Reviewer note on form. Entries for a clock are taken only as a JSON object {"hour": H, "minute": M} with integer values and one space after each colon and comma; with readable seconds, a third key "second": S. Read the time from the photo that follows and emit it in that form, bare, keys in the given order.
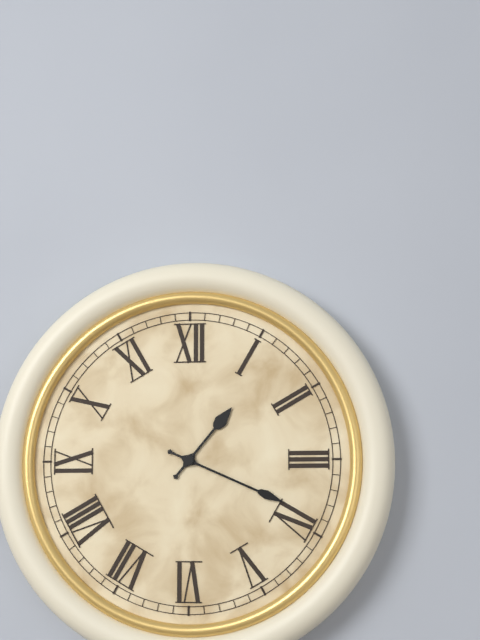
{"hour": 1, "minute": 19}
